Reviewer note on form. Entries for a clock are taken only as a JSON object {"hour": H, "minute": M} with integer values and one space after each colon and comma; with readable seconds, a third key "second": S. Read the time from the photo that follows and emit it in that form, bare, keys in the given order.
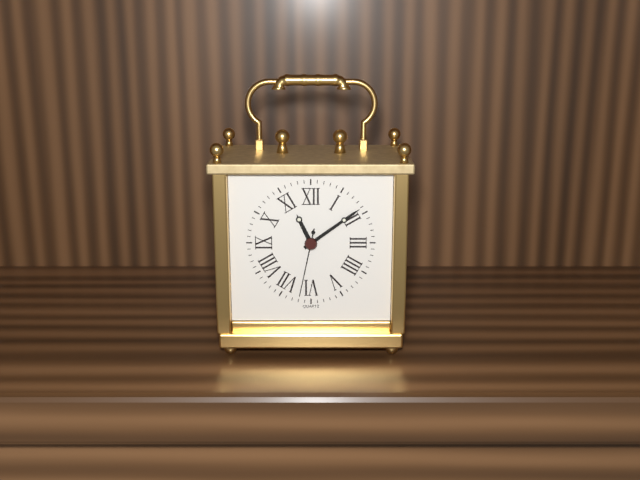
{"hour": 11, "minute": 9, "second": 32}
